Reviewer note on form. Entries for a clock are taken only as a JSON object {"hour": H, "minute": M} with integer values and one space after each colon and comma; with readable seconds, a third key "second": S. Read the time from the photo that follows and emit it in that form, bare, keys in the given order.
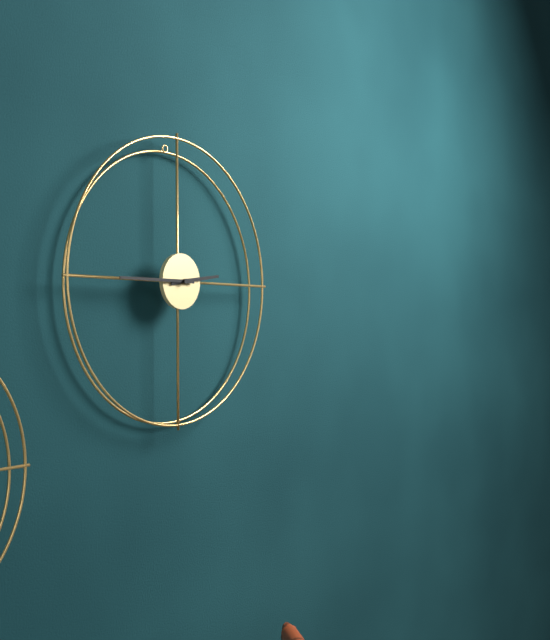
{"hour": 2, "minute": 45}
